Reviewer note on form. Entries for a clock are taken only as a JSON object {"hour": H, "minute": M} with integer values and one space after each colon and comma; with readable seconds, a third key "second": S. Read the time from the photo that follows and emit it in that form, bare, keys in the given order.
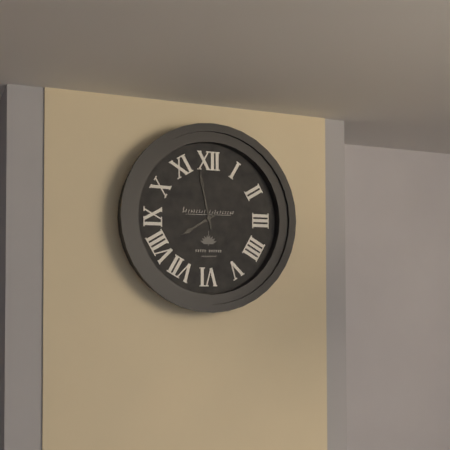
{"hour": 7, "minute": 58}
